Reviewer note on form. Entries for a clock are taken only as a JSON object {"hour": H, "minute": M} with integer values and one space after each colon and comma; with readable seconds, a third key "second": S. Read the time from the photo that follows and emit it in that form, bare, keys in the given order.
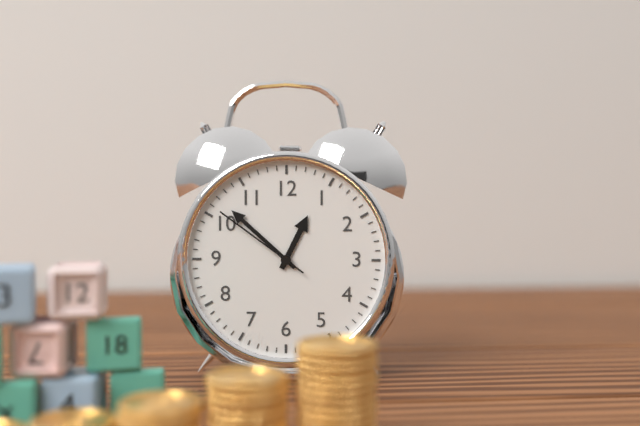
{"hour": 12, "minute": 52, "second": 51}
